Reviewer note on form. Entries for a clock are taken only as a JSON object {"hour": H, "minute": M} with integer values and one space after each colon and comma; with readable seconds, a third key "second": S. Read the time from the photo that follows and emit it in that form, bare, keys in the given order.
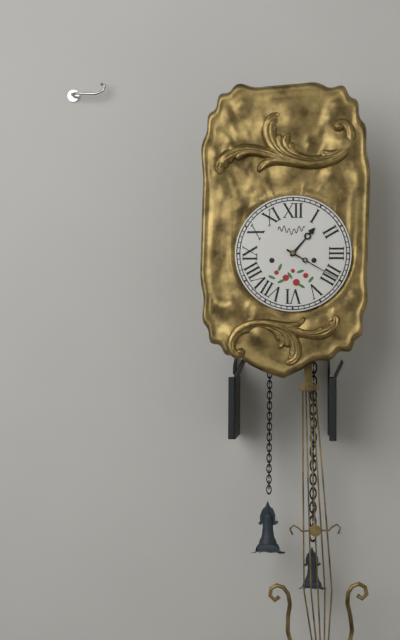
{"hour": 1, "minute": 20}
